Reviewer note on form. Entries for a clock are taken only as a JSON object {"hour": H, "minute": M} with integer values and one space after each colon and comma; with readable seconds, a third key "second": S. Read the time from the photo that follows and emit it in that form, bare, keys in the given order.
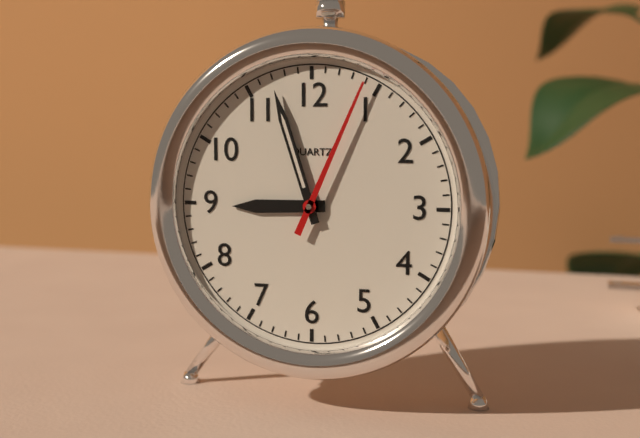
{"hour": 8, "minute": 57, "second": 4}
